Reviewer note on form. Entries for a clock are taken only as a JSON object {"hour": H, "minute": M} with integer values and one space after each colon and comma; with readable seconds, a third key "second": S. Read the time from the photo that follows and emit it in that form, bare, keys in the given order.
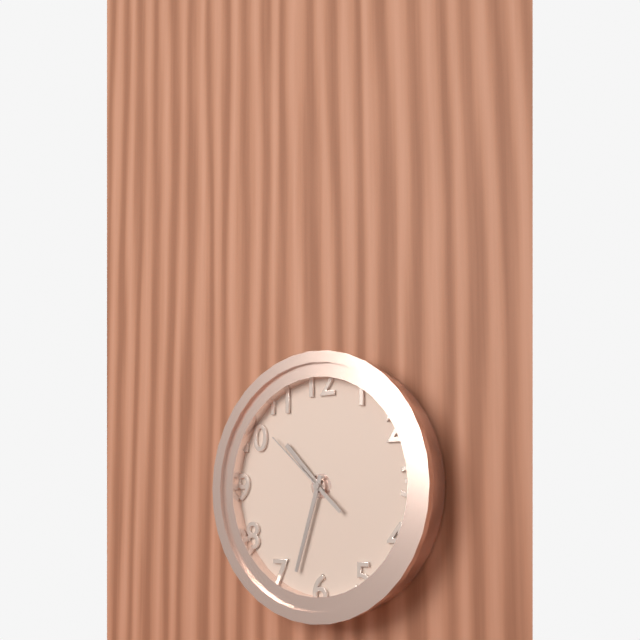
{"hour": 10, "minute": 33, "second": 52}
